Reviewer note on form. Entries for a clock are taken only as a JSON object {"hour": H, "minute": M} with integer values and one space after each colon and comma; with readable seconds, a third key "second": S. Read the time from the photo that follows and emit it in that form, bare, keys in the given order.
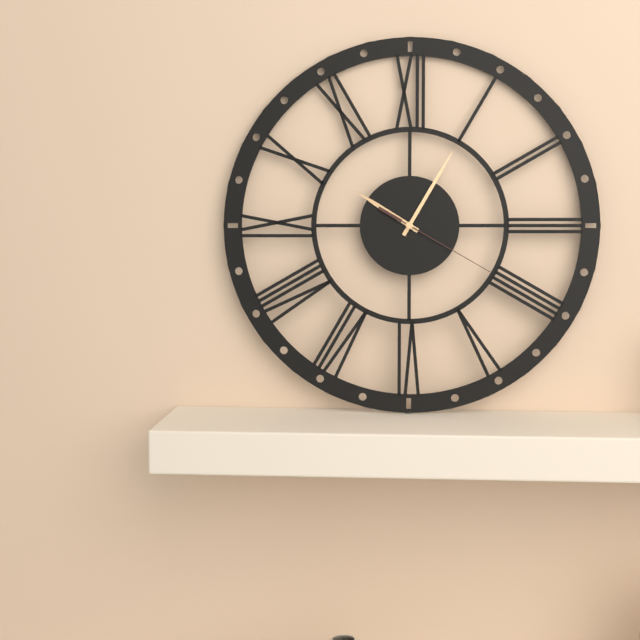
{"hour": 10, "minute": 5, "second": 20}
